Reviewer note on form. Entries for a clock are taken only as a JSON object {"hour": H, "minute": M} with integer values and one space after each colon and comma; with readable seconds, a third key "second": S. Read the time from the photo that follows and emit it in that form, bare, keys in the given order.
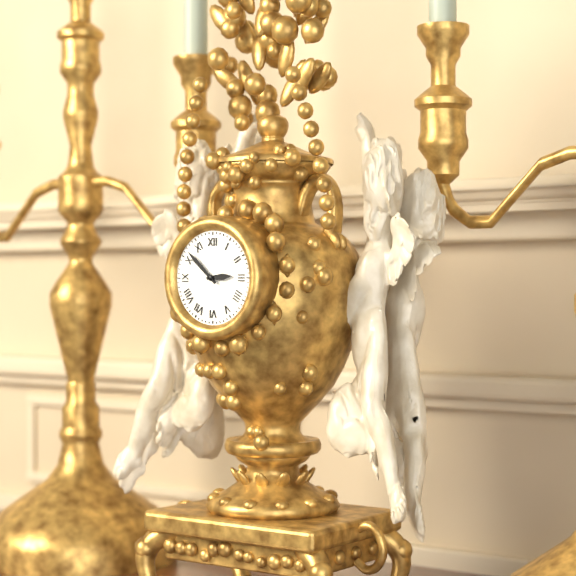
{"hour": 2, "minute": 52}
